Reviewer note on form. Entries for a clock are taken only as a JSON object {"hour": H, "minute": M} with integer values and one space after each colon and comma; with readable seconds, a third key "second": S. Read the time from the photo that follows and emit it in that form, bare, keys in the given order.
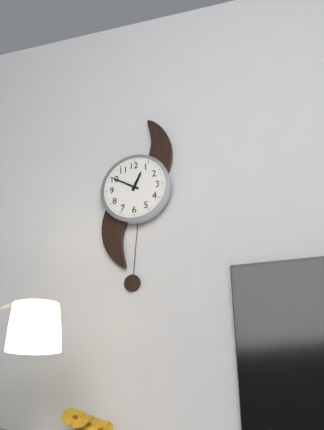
{"hour": 12, "minute": 50}
